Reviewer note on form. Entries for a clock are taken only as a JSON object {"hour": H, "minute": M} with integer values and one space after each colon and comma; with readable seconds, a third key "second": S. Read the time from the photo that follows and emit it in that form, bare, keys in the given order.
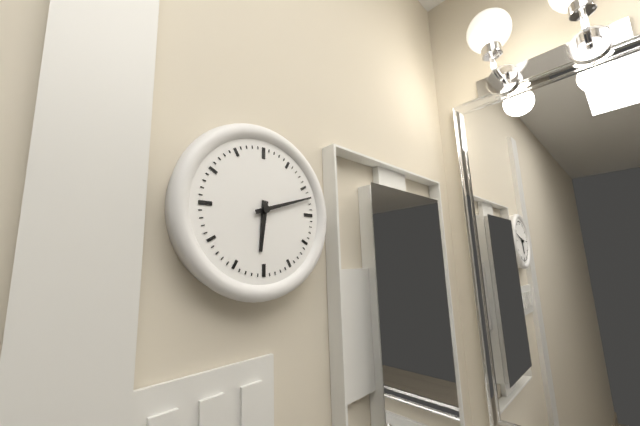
{"hour": 6, "minute": 12}
